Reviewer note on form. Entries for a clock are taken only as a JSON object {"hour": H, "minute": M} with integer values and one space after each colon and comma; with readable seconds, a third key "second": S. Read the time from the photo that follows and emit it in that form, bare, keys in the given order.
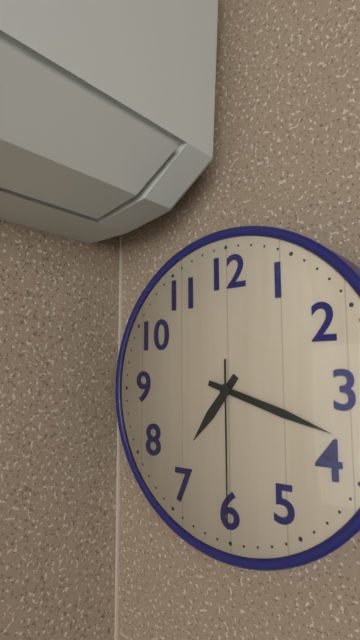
{"hour": 7, "minute": 18, "second": 30}
